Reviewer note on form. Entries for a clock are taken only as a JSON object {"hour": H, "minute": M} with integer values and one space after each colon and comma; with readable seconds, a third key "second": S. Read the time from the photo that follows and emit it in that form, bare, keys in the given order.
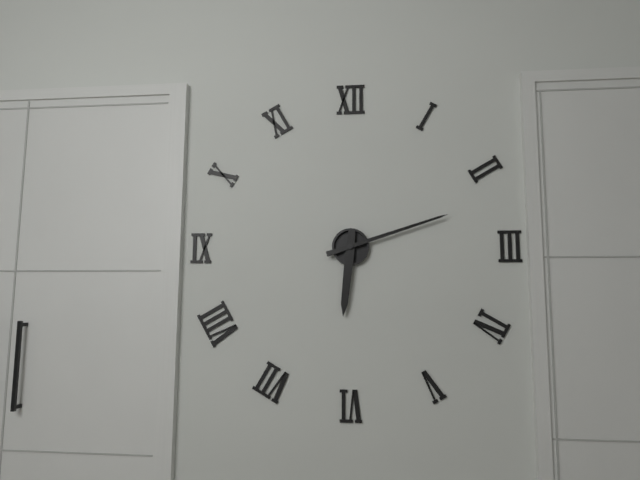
{"hour": 6, "minute": 12}
